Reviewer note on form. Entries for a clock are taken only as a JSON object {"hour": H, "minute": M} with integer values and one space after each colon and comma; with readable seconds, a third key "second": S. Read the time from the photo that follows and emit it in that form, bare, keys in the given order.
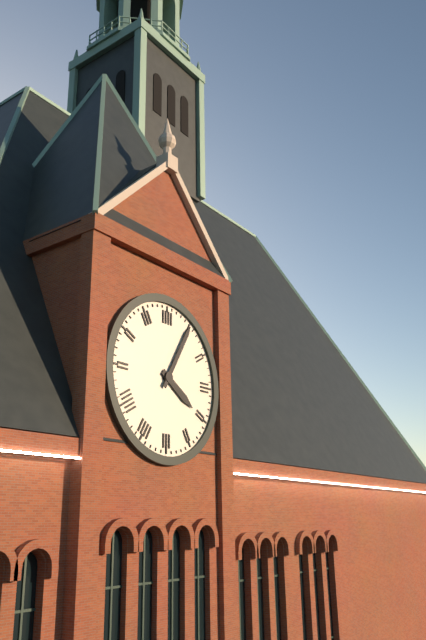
{"hour": 4, "minute": 5}
